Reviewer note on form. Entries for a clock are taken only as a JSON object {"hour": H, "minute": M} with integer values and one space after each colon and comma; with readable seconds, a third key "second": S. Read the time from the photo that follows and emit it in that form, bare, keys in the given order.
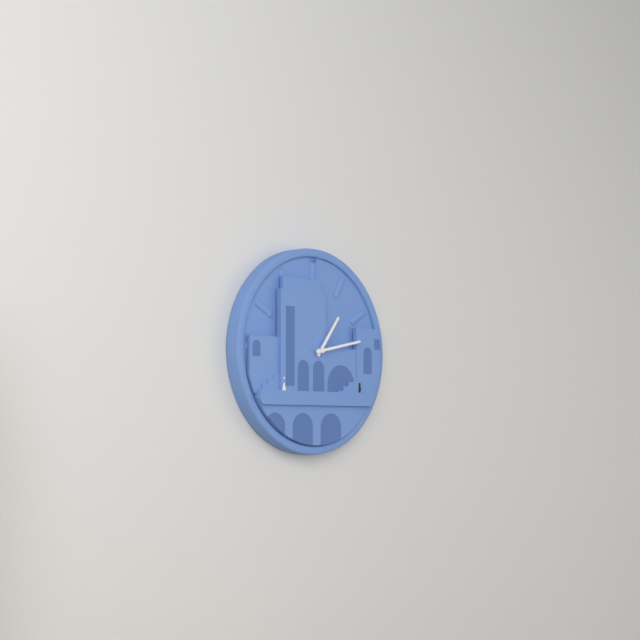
{"hour": 1, "minute": 13}
